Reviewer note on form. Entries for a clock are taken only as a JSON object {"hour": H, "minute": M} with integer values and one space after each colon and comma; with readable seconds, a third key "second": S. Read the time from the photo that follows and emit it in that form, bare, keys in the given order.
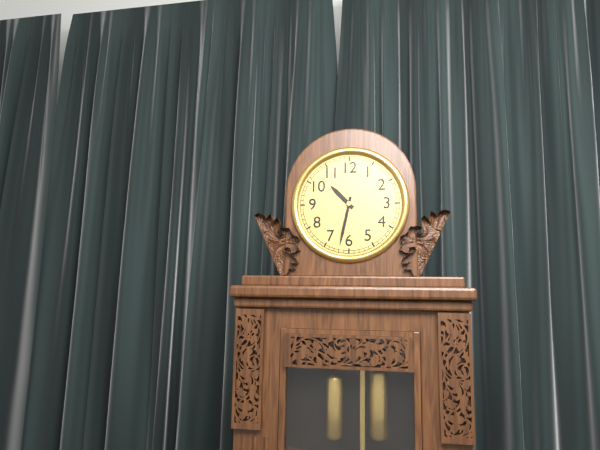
{"hour": 10, "minute": 32}
